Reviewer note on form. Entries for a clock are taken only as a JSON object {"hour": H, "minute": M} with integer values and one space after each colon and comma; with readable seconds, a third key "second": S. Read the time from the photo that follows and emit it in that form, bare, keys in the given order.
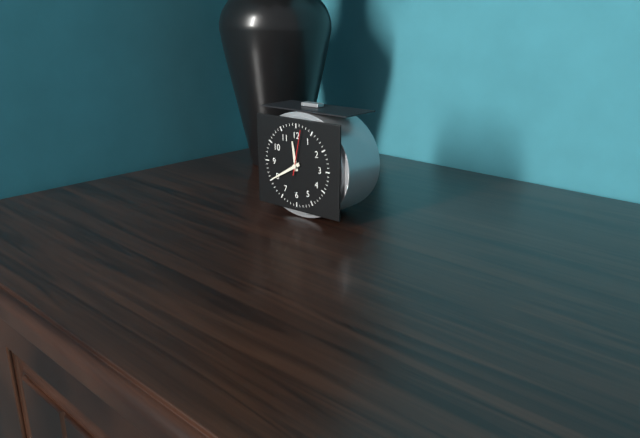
{"hour": 11, "minute": 40}
